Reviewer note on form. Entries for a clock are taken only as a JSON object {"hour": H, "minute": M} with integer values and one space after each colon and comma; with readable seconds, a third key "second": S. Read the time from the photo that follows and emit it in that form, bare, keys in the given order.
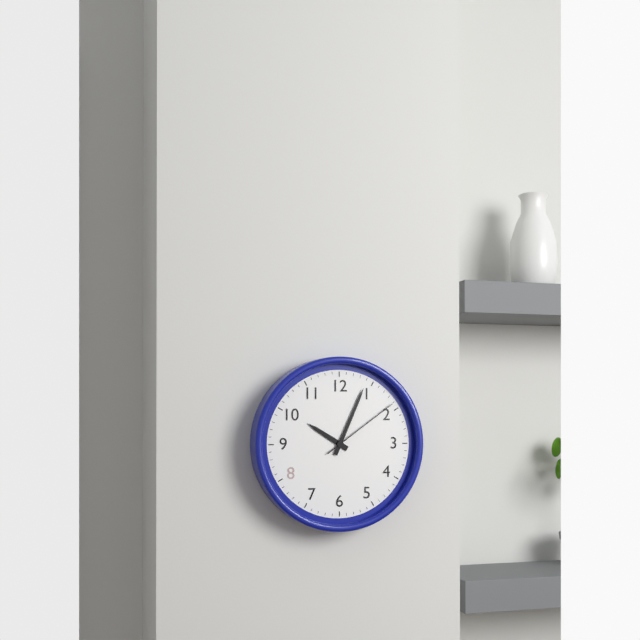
{"hour": 10, "minute": 4, "second": 9}
